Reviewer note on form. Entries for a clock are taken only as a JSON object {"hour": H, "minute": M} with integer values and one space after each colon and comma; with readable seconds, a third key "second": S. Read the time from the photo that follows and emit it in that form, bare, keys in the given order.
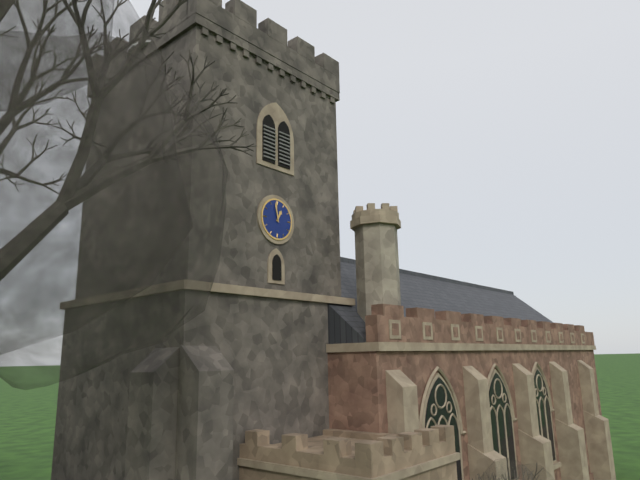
{"hour": 12, "minute": 58}
